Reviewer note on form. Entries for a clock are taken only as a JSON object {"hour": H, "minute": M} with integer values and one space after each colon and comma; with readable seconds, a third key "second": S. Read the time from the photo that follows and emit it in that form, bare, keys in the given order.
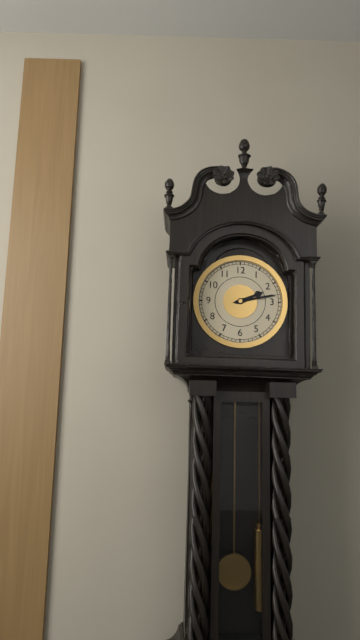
{"hour": 2, "minute": 13}
